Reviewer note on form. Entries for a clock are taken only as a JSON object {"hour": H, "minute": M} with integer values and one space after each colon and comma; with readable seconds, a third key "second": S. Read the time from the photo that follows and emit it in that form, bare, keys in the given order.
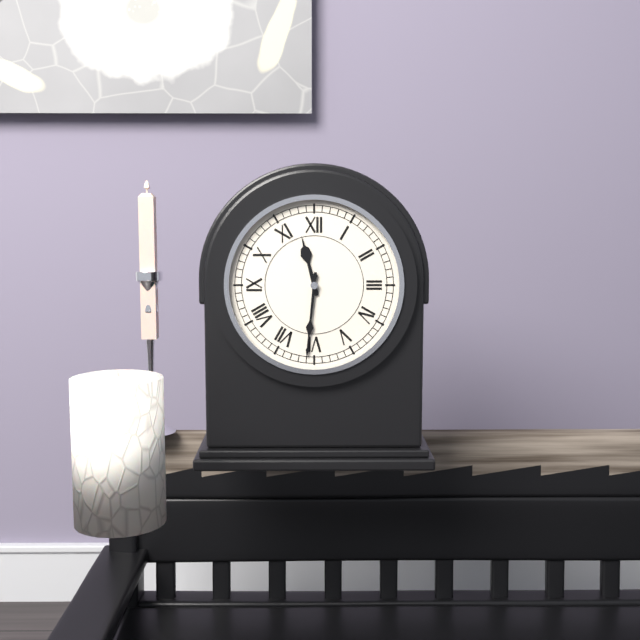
{"hour": 11, "minute": 31}
